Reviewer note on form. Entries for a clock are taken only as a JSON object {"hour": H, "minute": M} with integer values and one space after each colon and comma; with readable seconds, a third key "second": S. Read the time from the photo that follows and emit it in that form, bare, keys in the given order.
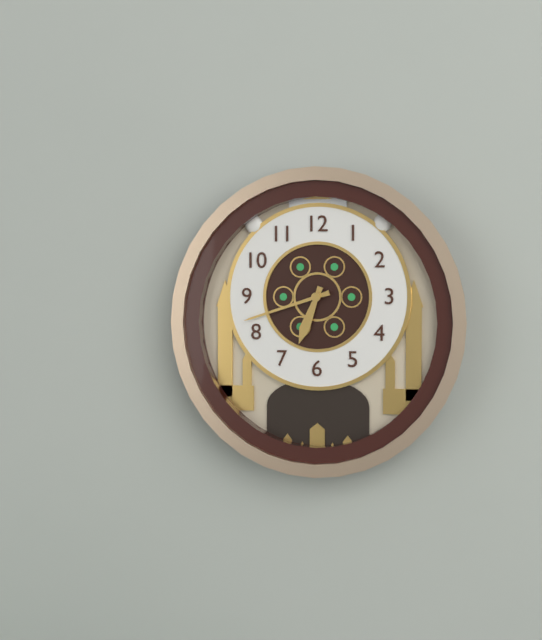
{"hour": 6, "minute": 42}
